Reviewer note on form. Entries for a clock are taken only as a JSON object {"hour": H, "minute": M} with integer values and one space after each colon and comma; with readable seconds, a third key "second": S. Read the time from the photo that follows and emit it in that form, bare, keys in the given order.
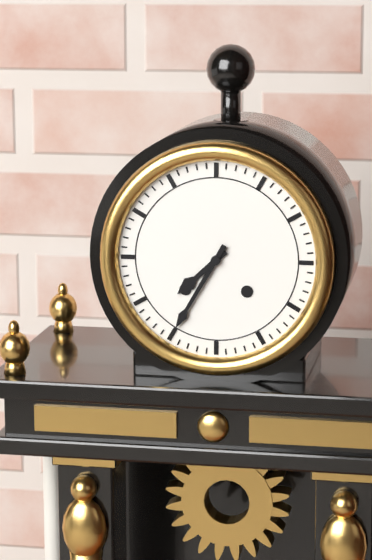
{"hour": 7, "minute": 35}
